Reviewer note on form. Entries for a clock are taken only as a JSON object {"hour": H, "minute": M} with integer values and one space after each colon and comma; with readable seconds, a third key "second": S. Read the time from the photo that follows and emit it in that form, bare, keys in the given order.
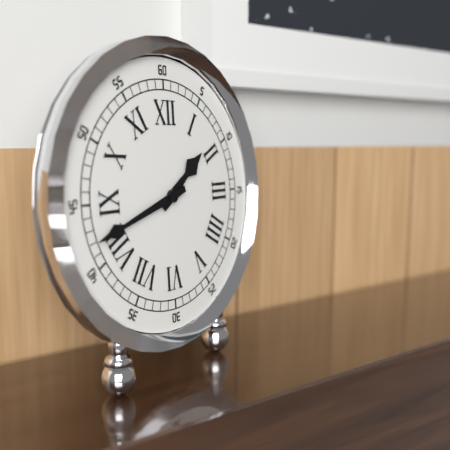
{"hour": 1, "minute": 42}
